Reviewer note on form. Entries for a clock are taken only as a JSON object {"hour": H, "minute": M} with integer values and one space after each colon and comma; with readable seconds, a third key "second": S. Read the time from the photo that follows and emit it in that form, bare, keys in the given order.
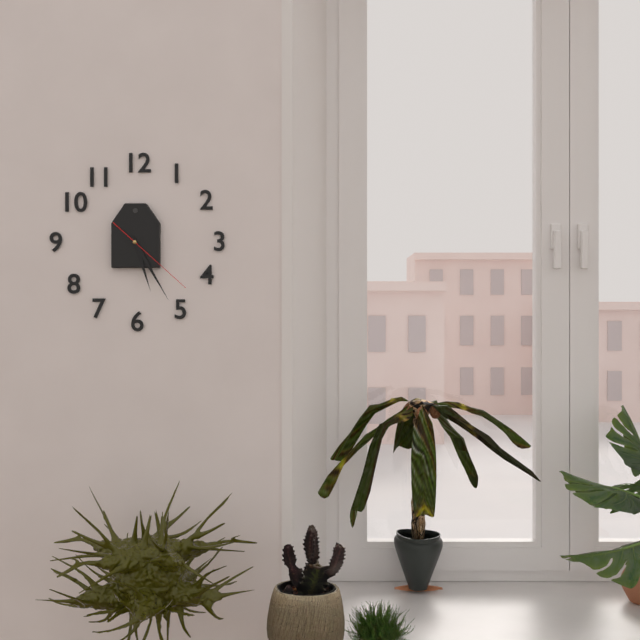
{"hour": 5, "minute": 25, "second": 22}
